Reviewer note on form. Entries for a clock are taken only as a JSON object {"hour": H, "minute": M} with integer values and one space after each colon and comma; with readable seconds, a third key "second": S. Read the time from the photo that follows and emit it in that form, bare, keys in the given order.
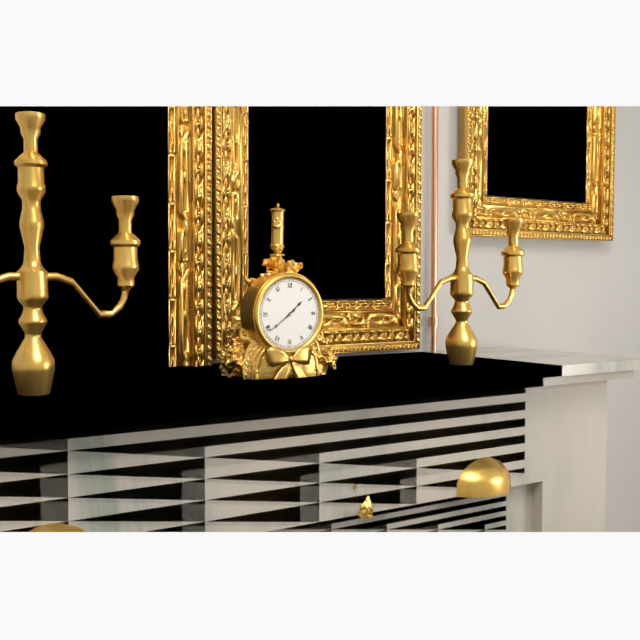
{"hour": 1, "minute": 39}
